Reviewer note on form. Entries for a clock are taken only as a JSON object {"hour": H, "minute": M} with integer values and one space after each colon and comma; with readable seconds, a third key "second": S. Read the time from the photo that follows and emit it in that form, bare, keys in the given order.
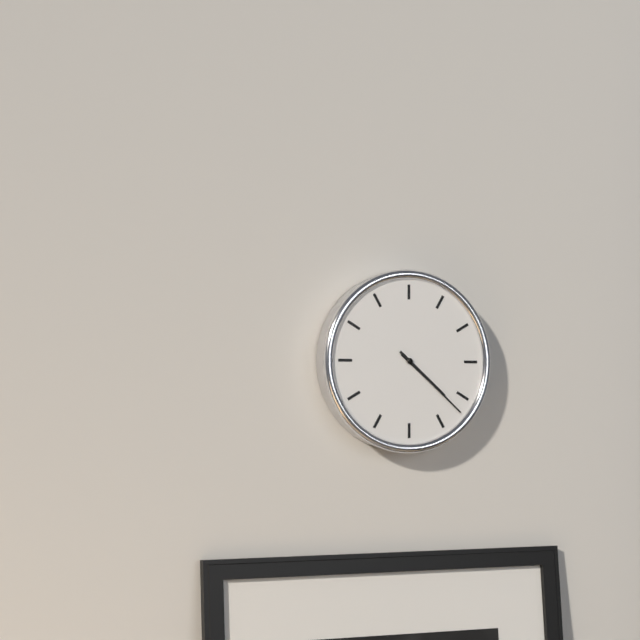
{"hour": 4, "minute": 22}
